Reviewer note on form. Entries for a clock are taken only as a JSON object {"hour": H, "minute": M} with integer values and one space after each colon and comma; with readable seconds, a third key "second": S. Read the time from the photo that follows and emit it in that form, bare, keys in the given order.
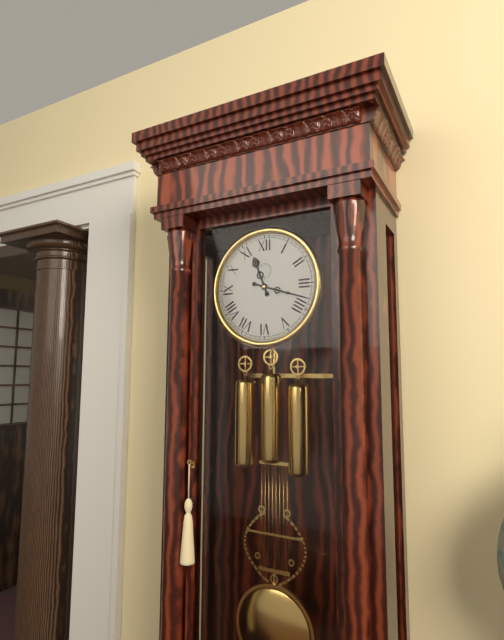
{"hour": 11, "minute": 18}
